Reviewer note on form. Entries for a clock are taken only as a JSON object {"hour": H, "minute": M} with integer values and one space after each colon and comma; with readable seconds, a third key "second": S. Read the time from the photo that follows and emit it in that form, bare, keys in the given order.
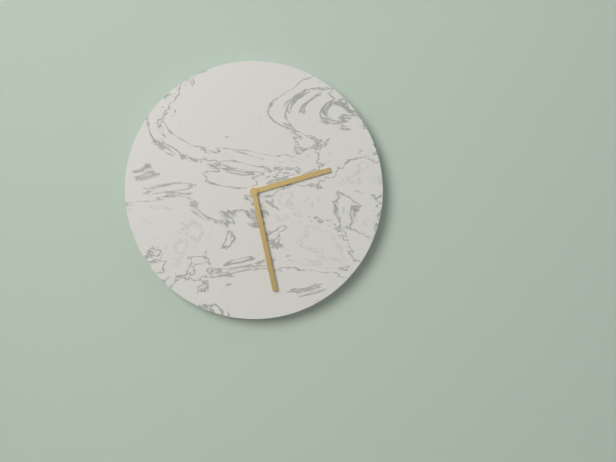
{"hour": 2, "minute": 28}
